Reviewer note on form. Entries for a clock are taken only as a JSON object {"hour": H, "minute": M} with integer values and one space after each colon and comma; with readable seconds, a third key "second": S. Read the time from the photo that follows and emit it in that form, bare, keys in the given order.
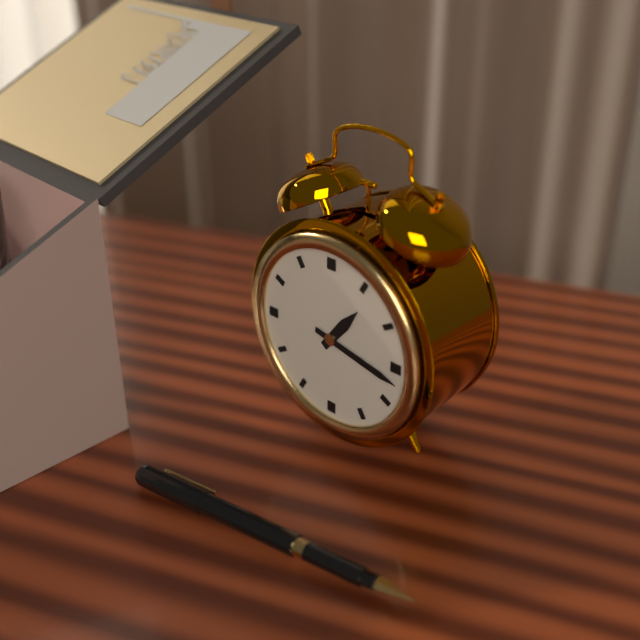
{"hour": 1, "minute": 17}
